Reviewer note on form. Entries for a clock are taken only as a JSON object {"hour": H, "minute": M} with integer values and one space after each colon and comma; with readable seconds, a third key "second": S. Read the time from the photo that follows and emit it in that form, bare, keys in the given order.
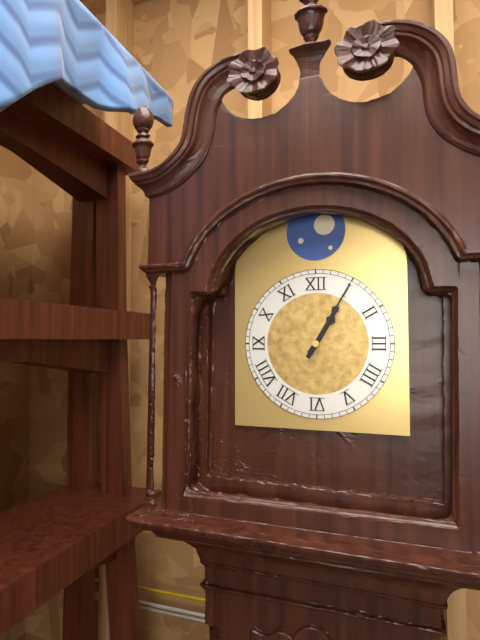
{"hour": 1, "minute": 5}
